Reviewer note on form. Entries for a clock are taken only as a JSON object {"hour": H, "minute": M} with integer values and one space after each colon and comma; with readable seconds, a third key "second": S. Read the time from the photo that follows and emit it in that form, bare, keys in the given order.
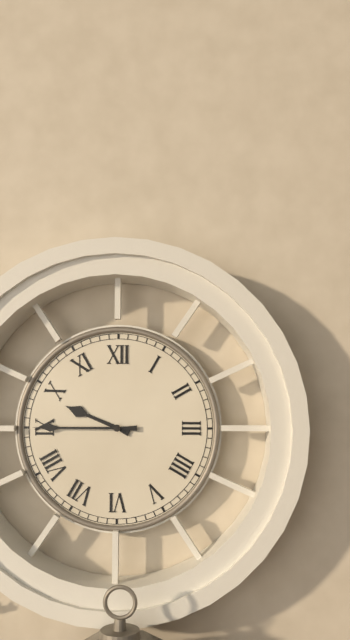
{"hour": 9, "minute": 45}
